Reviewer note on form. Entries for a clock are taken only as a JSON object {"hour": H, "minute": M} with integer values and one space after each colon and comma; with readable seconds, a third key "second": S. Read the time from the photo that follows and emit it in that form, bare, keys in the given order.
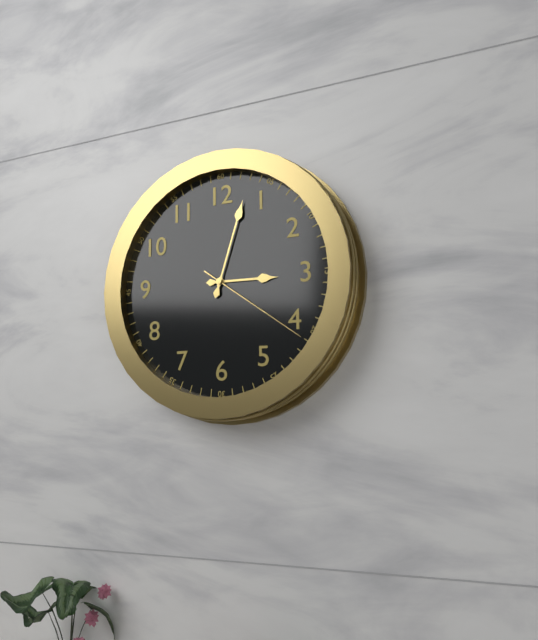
{"hour": 3, "minute": 3, "second": 21}
